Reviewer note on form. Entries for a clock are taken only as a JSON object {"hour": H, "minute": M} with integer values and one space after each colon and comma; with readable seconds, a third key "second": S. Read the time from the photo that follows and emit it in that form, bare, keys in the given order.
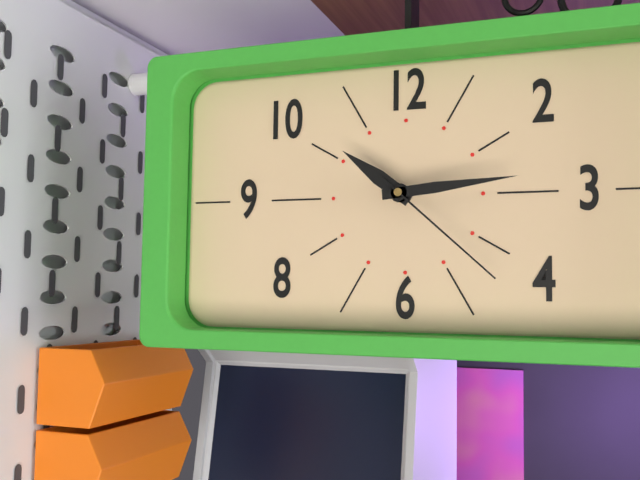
{"hour": 10, "minute": 14, "second": 22}
